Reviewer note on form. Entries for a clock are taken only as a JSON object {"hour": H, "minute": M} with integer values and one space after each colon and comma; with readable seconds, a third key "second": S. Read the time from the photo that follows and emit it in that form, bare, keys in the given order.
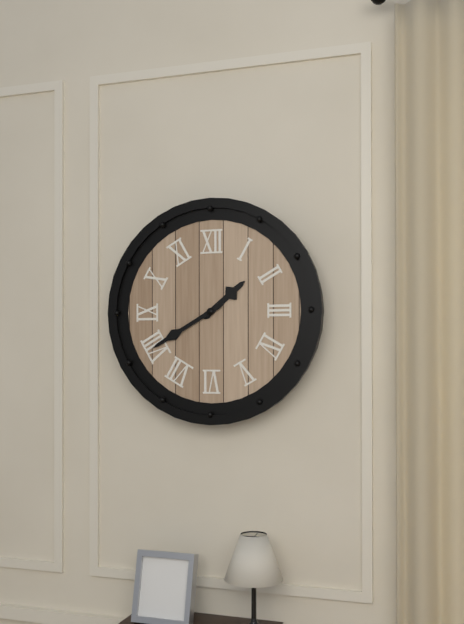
{"hour": 1, "minute": 40}
